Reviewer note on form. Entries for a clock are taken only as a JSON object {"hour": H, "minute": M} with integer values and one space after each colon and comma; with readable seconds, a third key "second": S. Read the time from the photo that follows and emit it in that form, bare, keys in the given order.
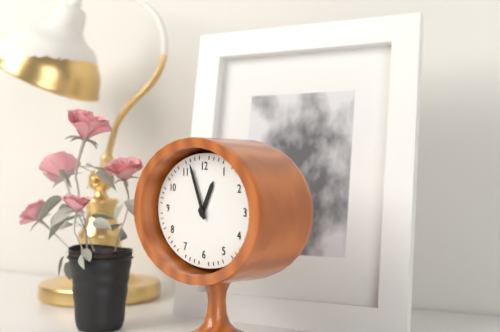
{"hour": 12, "minute": 56}
